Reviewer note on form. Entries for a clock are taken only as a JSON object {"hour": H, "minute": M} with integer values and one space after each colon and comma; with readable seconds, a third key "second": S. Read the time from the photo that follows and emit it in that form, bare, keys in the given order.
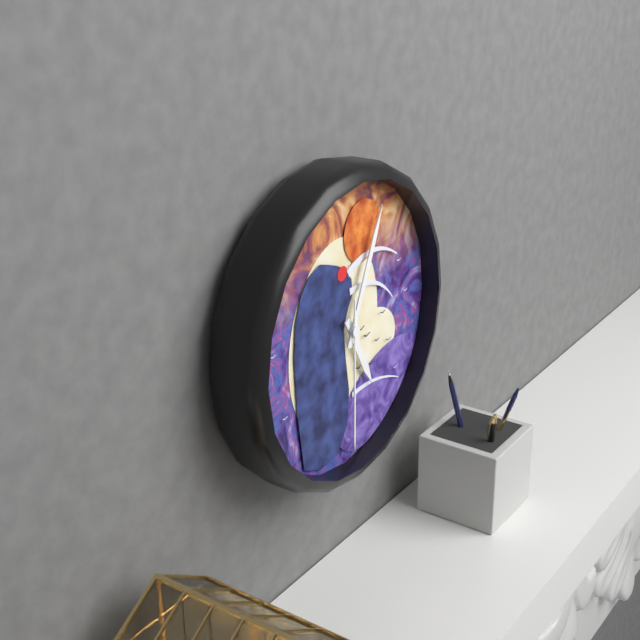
{"hour": 5, "minute": 4, "second": 30}
